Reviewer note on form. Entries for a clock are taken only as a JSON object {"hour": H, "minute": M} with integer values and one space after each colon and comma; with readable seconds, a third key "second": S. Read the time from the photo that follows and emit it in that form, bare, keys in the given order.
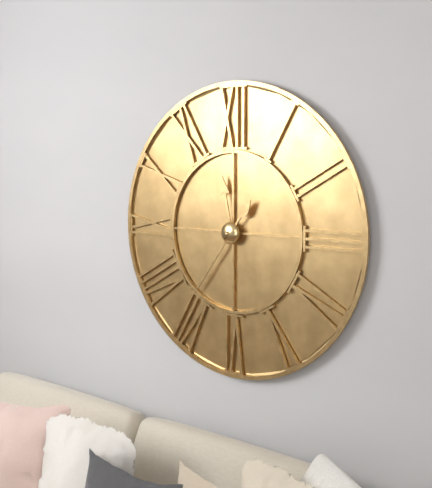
{"hour": 11, "minute": 36}
